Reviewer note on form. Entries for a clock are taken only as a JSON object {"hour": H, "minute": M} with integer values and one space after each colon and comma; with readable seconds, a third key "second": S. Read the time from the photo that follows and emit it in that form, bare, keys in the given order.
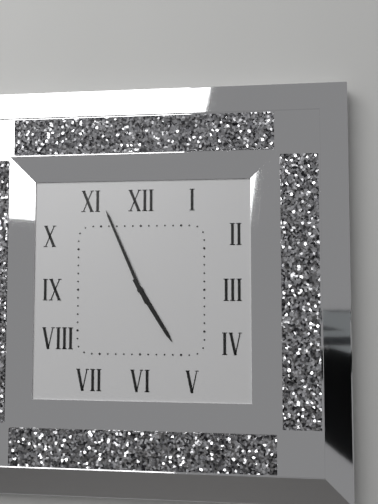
{"hour": 4, "minute": 56}
